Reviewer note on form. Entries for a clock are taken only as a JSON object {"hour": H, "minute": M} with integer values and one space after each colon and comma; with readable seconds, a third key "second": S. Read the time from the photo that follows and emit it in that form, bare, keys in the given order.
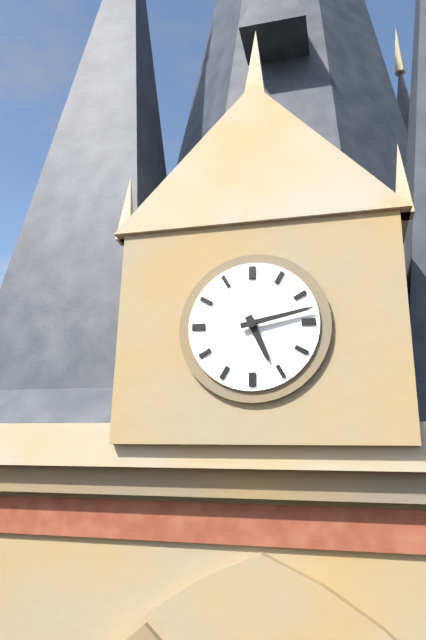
{"hour": 5, "minute": 13}
